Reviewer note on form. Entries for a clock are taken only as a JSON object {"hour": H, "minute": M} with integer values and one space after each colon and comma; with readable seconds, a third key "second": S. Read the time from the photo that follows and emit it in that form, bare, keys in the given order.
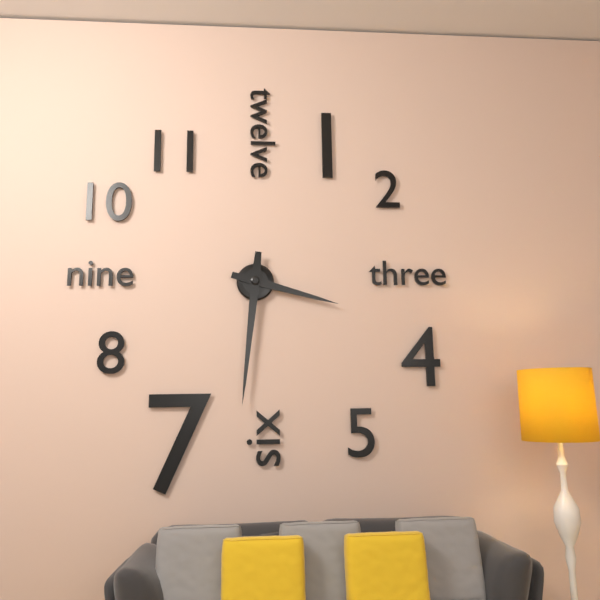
{"hour": 3, "minute": 31}
